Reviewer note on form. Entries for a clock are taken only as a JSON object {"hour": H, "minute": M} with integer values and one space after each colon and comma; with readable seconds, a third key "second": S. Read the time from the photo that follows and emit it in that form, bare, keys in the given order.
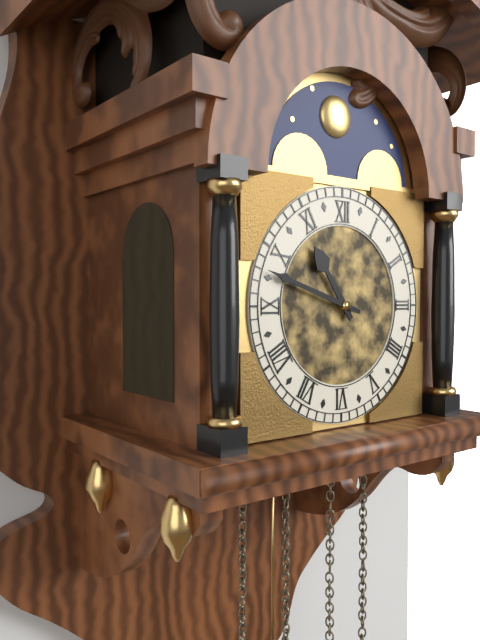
{"hour": 10, "minute": 48}
